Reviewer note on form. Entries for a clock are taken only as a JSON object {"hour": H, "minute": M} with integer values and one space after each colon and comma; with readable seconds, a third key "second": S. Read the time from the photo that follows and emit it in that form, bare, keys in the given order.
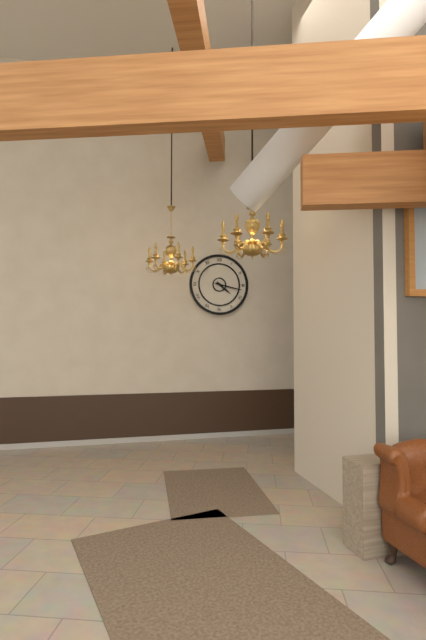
{"hour": 4, "minute": 17}
